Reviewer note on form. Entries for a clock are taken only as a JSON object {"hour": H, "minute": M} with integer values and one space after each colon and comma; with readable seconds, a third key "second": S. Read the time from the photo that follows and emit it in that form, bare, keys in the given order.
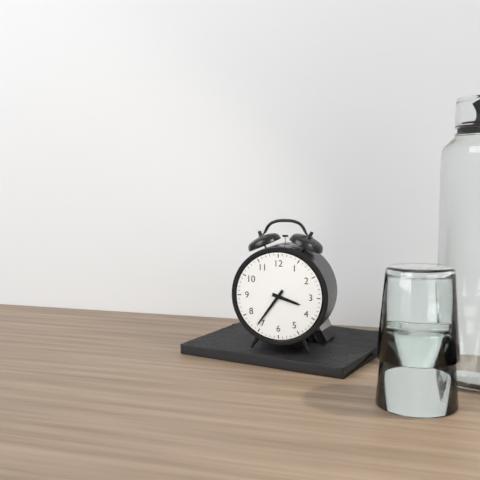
{"hour": 3, "minute": 36}
